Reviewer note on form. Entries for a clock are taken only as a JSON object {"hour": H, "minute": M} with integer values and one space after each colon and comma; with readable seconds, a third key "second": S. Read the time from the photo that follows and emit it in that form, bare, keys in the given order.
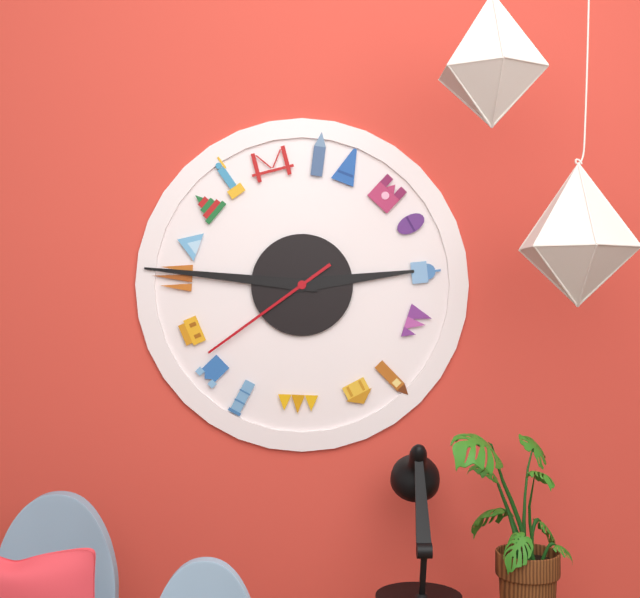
{"hour": 2, "minute": 46, "second": 39}
